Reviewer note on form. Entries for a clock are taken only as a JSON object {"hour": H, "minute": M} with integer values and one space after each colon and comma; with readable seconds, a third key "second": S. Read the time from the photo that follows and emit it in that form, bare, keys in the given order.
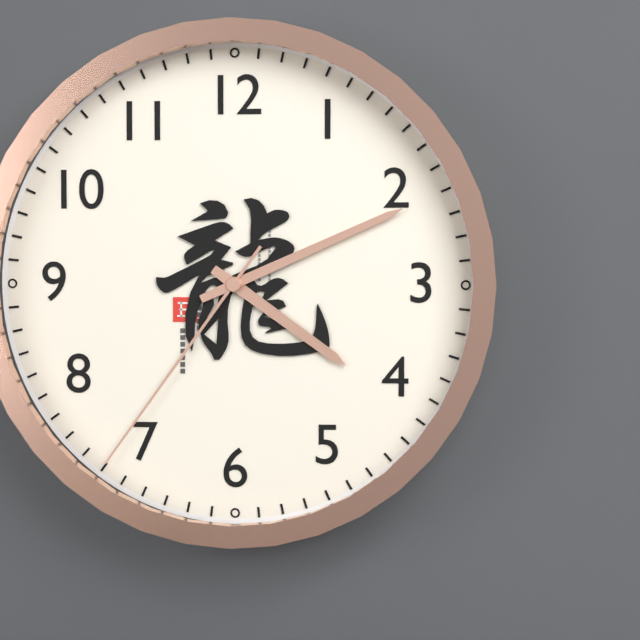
{"hour": 4, "minute": 11, "second": 36}
